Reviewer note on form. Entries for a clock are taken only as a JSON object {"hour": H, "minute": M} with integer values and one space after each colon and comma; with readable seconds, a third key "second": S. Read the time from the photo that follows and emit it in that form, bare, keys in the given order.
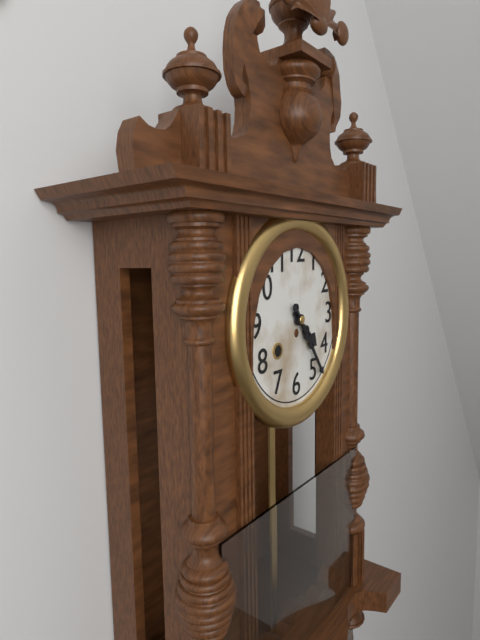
{"hour": 4, "minute": 24}
